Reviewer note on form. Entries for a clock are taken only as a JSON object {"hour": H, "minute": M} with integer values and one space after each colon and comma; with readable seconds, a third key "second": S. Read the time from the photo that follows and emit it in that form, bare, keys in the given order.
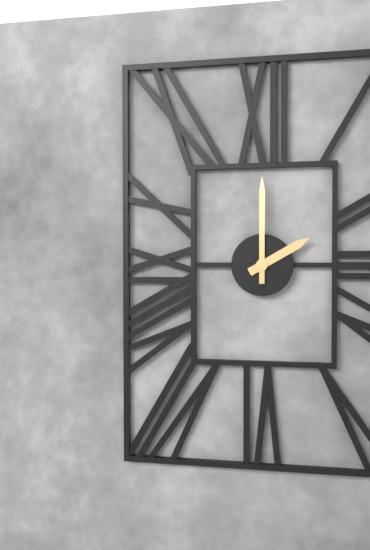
{"hour": 2, "minute": 0}
